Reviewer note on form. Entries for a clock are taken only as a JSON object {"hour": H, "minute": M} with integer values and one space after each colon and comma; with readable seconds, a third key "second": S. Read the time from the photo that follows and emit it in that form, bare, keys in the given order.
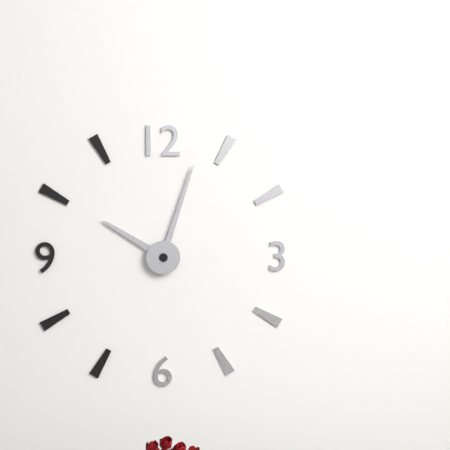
{"hour": 10, "minute": 3}
